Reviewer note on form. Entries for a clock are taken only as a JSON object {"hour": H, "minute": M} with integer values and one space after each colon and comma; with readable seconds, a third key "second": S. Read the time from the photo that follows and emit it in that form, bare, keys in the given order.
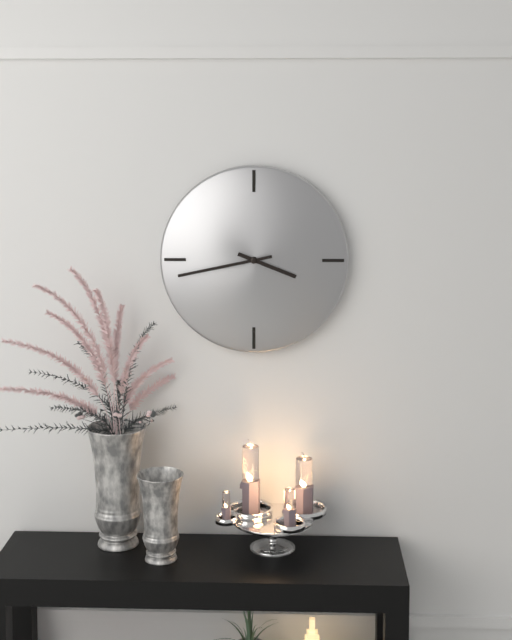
{"hour": 3, "minute": 43}
